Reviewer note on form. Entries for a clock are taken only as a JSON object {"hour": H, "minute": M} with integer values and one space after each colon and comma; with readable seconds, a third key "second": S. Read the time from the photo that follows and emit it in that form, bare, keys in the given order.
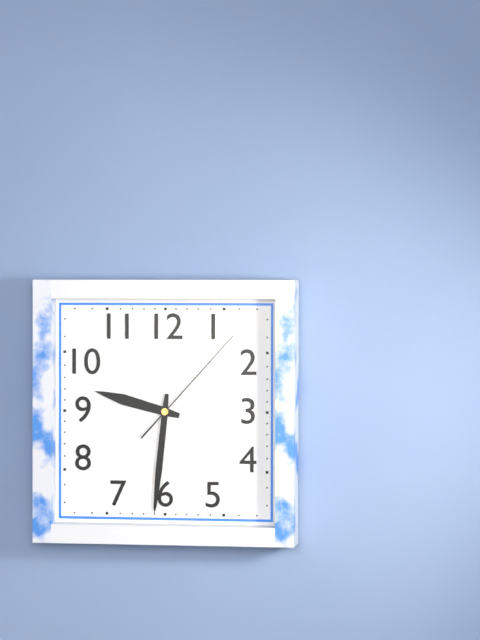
{"hour": 9, "minute": 31, "second": 7}
